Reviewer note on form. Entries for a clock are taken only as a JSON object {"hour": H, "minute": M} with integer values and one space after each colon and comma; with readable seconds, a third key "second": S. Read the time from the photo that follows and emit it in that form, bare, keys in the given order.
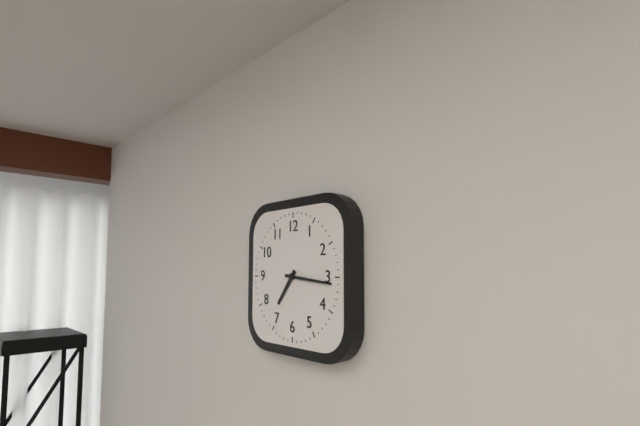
{"hour": 7, "minute": 16}
